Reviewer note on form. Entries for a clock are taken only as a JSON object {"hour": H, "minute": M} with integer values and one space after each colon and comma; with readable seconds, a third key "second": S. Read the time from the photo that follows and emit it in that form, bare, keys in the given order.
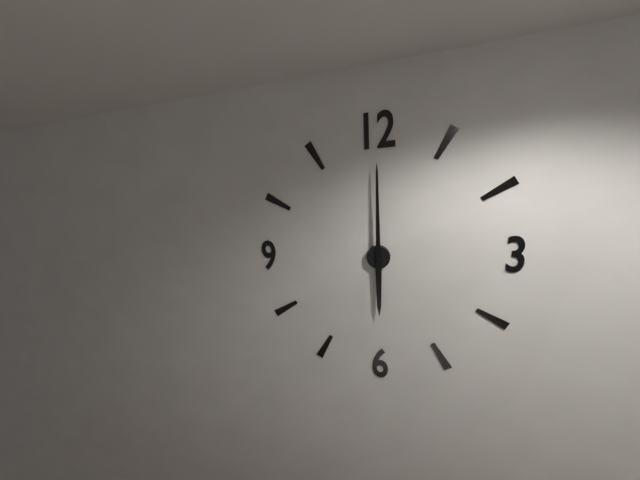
{"hour": 6, "minute": 0}
